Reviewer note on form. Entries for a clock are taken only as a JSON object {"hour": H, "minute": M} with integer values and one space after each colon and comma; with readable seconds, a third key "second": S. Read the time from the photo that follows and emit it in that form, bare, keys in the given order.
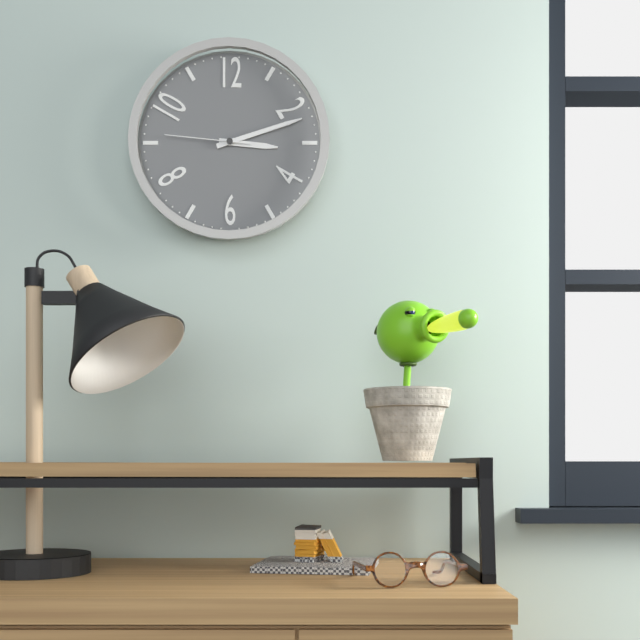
{"hour": 3, "minute": 12, "second": 46}
